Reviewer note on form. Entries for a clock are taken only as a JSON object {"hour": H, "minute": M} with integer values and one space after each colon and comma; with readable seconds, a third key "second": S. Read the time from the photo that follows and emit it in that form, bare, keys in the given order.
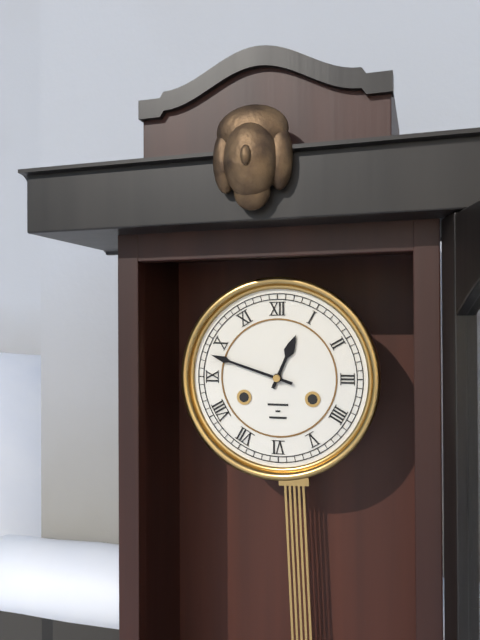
{"hour": 12, "minute": 48}
